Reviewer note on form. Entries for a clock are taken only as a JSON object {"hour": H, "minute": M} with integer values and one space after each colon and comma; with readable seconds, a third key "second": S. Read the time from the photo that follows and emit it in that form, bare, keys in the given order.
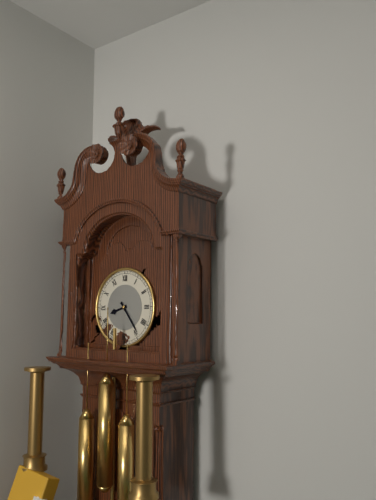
{"hour": 8, "minute": 24}
